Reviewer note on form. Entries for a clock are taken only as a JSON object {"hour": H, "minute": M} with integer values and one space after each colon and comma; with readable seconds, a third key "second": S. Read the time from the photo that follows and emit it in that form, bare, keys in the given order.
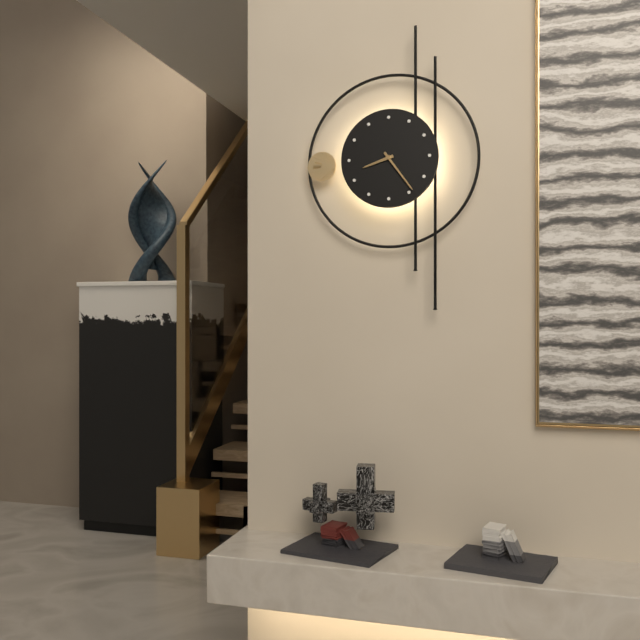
{"hour": 8, "minute": 24}
